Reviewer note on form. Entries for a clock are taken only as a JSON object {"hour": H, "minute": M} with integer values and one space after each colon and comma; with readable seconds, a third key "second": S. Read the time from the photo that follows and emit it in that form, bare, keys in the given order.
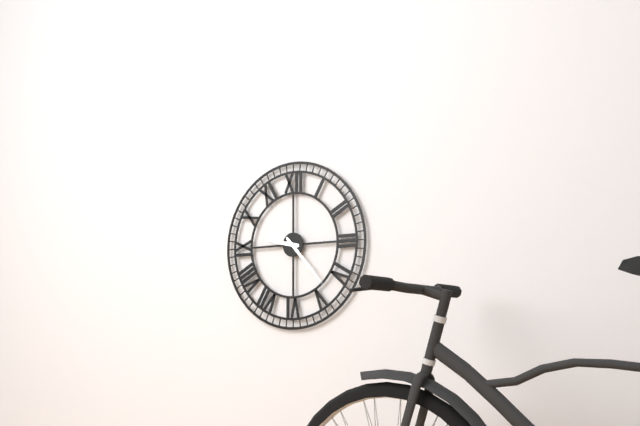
{"hour": 9, "minute": 23}
